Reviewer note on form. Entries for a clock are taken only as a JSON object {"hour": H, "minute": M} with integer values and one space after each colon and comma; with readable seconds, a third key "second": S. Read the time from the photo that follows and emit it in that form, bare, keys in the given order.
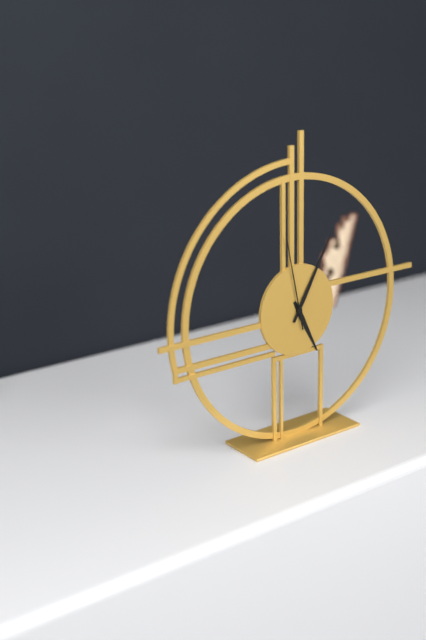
{"hour": 5, "minute": 5, "second": 58}
